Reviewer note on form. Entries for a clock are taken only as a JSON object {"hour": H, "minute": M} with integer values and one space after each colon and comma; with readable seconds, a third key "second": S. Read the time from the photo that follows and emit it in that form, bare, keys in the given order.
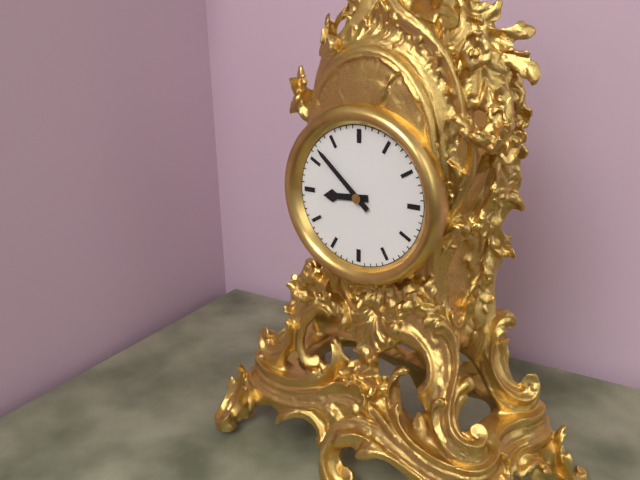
{"hour": 8, "minute": 52}
